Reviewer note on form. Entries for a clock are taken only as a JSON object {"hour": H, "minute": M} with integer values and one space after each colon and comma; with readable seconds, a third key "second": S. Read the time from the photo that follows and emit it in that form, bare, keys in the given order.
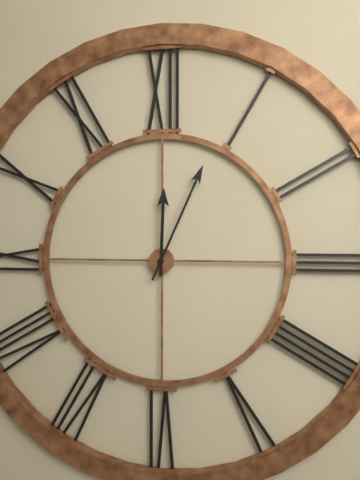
{"hour": 12, "minute": 4}
